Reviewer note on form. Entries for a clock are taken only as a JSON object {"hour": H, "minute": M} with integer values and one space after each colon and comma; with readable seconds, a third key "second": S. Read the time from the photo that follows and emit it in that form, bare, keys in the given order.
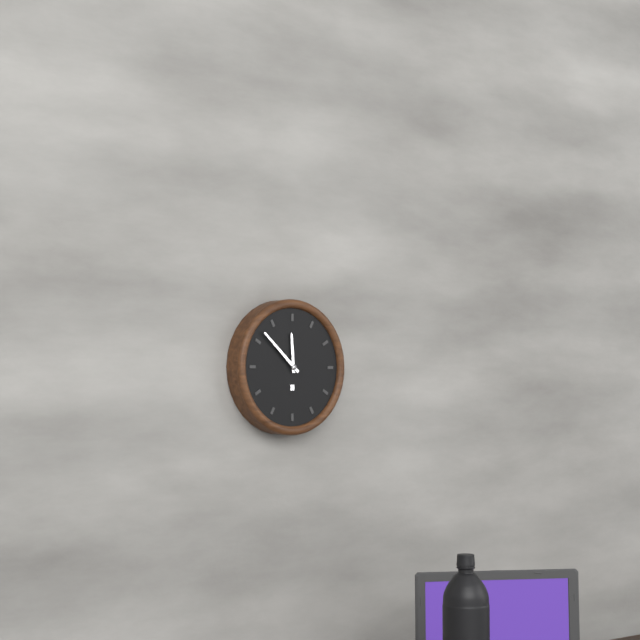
{"hour": 11, "minute": 52}
